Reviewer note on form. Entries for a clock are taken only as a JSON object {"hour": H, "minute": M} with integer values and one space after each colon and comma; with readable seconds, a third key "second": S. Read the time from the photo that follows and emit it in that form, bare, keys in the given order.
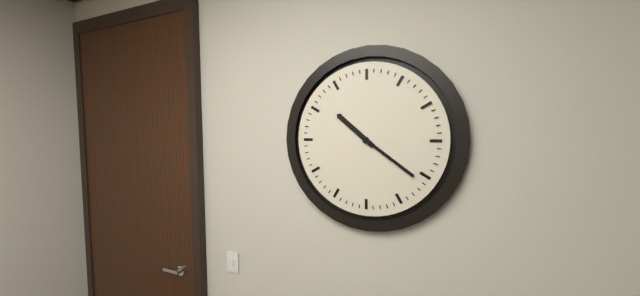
{"hour": 10, "minute": 21}
